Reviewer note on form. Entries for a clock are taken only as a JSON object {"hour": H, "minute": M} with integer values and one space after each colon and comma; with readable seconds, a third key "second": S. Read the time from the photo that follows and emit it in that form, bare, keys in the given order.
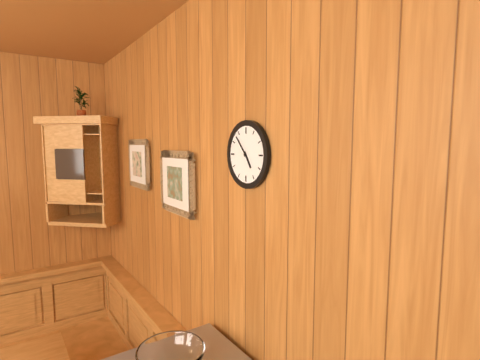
{"hour": 4, "minute": 53}
